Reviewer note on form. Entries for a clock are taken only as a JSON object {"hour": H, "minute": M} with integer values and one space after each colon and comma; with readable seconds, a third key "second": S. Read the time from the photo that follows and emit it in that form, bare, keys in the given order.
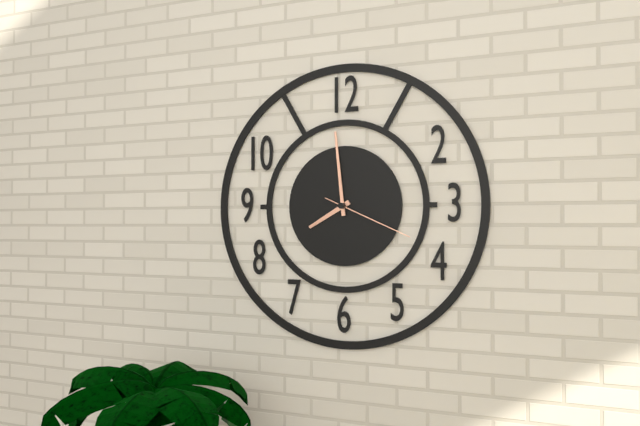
{"hour": 7, "minute": 59, "second": 19}
